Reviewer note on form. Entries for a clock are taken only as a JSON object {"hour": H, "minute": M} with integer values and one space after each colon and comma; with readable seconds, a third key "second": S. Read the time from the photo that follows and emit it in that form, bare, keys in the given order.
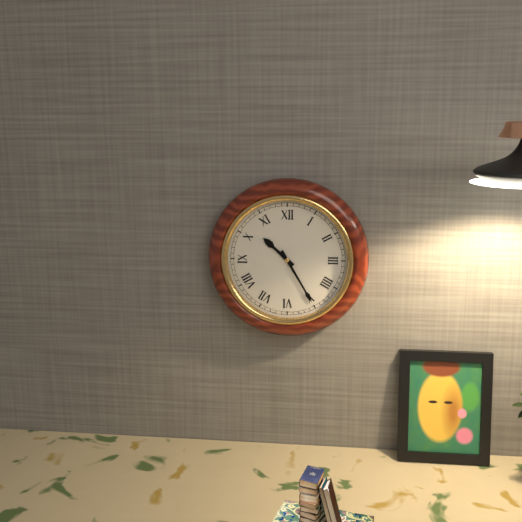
{"hour": 10, "minute": 25}
